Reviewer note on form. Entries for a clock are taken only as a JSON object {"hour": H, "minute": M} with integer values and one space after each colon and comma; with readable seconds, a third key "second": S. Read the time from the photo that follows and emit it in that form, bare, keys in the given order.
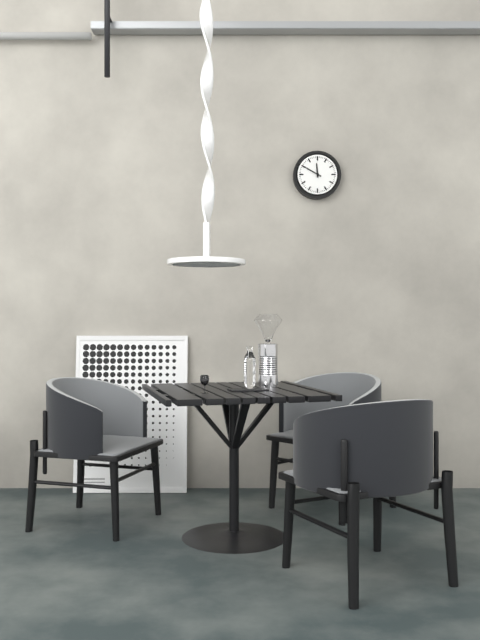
{"hour": 11, "minute": 50}
